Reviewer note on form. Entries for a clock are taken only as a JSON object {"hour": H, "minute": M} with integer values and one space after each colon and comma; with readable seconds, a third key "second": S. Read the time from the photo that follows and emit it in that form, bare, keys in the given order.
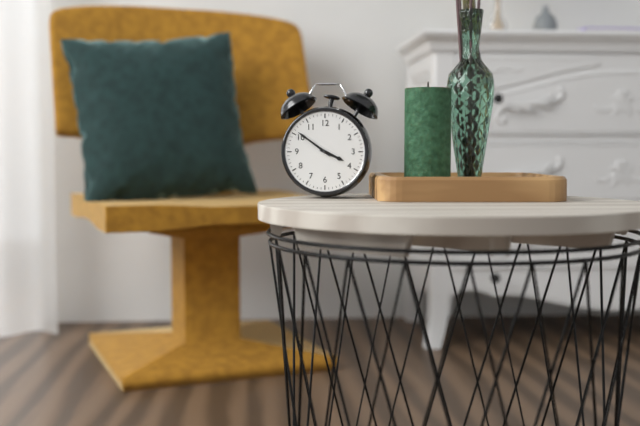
{"hour": 3, "minute": 51}
